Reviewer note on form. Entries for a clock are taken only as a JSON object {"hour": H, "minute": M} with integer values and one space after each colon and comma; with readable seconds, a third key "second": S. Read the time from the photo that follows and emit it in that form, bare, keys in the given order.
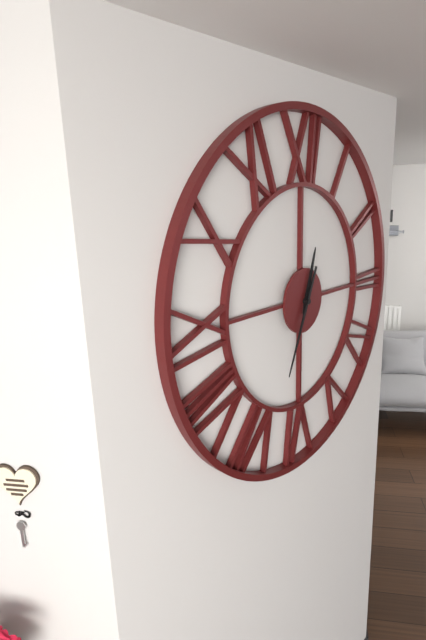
{"hour": 12, "minute": 34}
